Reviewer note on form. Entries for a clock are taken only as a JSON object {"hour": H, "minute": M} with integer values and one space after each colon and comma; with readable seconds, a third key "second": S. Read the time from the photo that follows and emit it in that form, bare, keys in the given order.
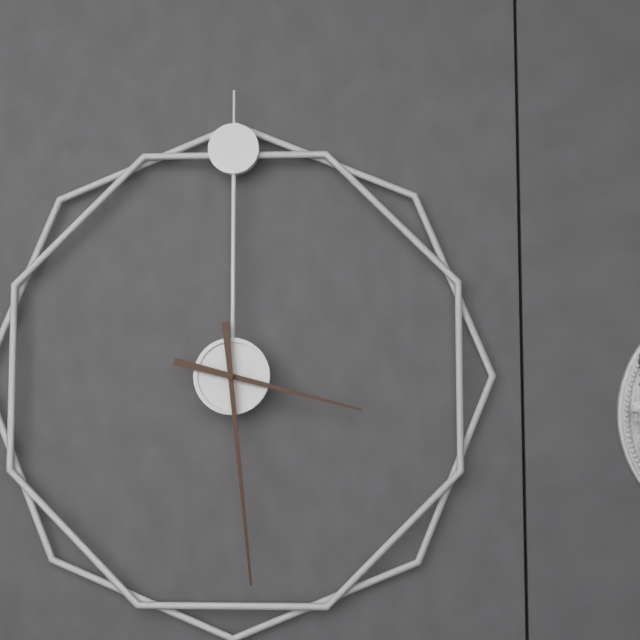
{"hour": 3, "minute": 29}
